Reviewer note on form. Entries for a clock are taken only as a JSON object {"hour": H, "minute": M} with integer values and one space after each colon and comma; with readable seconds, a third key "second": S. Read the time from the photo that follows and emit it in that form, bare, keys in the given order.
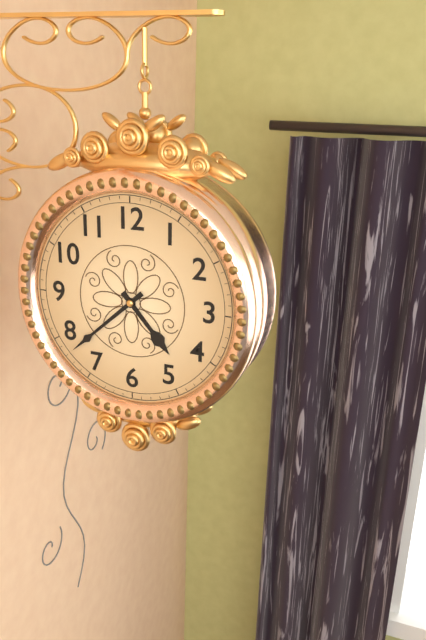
{"hour": 4, "minute": 38}
